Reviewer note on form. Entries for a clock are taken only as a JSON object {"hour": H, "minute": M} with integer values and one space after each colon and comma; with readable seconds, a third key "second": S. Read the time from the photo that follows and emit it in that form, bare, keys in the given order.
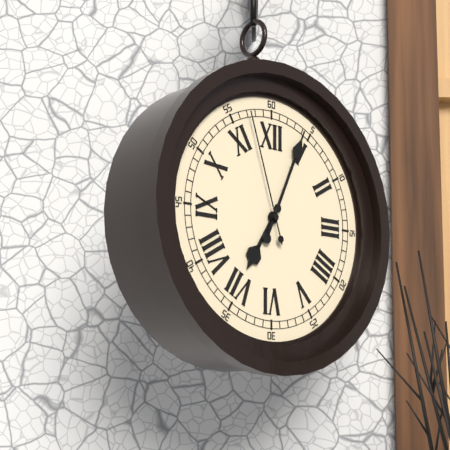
{"hour": 7, "minute": 4, "second": 57}
